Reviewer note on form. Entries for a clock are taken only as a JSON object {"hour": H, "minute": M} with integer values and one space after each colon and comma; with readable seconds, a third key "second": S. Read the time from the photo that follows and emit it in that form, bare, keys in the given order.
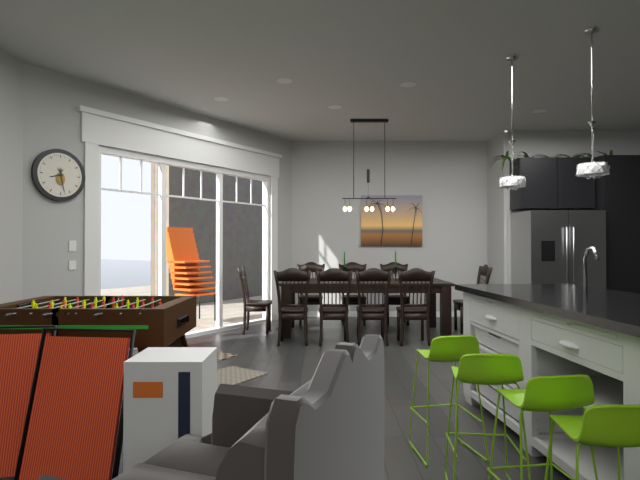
{"hour": 8, "minute": 28}
